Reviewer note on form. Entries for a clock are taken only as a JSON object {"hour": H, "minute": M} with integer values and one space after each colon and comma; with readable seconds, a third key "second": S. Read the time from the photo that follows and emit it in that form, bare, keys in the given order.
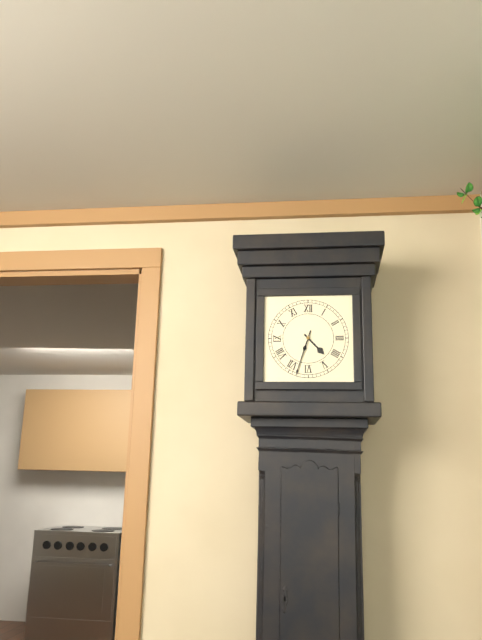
{"hour": 4, "minute": 33}
